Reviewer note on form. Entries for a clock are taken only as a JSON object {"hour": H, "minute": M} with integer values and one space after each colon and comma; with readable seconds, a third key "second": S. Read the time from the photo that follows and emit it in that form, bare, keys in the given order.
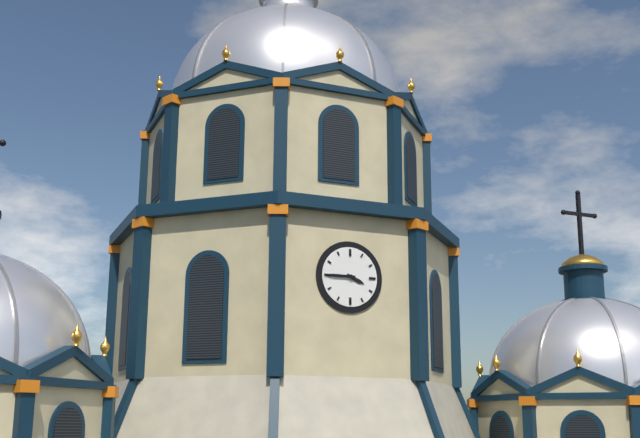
{"hour": 3, "minute": 45}
